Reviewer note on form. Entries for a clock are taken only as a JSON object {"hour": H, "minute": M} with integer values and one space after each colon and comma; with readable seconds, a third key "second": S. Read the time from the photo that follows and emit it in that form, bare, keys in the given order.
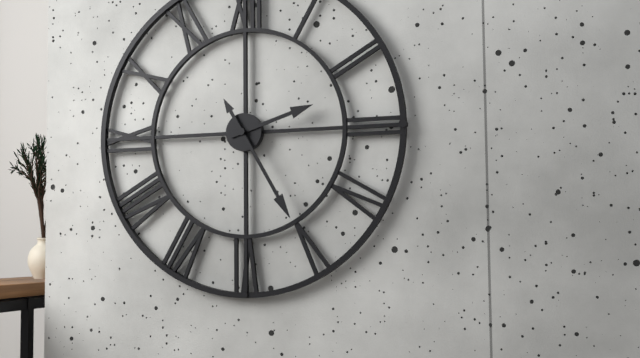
{"hour": 2, "minute": 25}
